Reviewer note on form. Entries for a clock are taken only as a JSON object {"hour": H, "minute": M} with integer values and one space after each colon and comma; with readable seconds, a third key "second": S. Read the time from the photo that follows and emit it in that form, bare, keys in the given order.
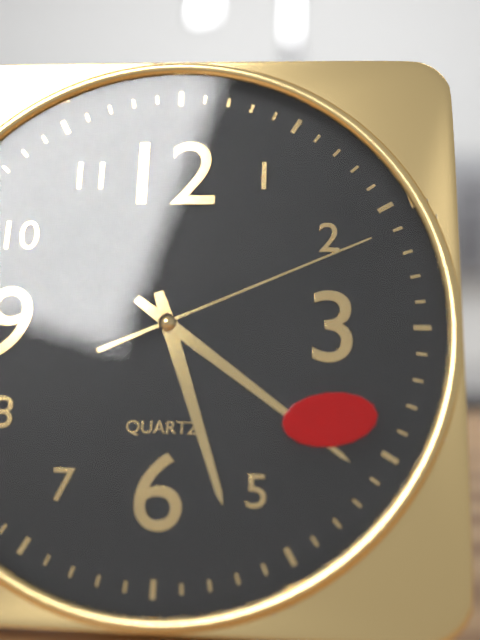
{"hour": 5, "minute": 21, "second": 11}
